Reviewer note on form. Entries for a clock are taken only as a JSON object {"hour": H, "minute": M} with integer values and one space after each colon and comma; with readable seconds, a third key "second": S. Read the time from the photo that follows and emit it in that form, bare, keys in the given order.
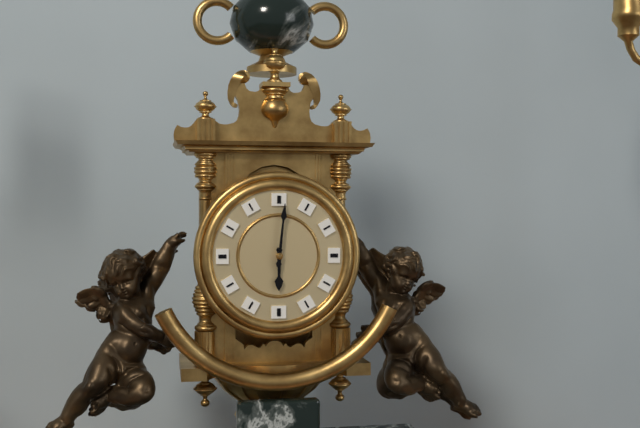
{"hour": 6, "minute": 1}
